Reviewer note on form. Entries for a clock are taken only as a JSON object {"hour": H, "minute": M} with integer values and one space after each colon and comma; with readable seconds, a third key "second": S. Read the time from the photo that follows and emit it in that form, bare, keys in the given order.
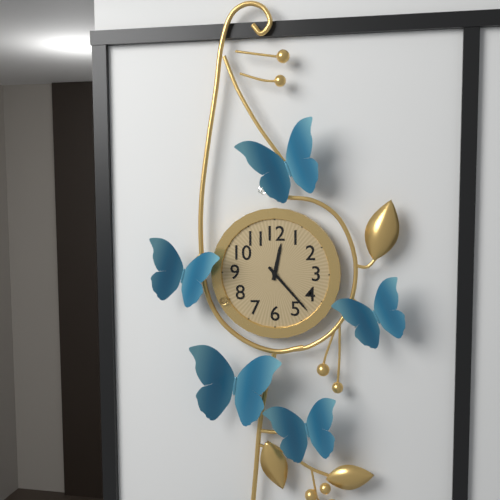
{"hour": 12, "minute": 23}
